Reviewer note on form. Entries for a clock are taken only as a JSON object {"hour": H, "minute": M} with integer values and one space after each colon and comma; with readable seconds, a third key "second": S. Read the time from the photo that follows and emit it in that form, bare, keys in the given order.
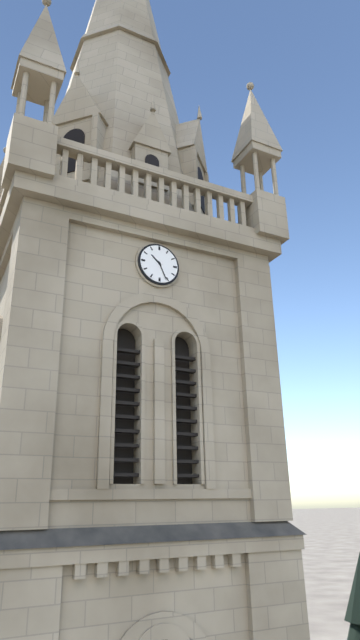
{"hour": 10, "minute": 26}
